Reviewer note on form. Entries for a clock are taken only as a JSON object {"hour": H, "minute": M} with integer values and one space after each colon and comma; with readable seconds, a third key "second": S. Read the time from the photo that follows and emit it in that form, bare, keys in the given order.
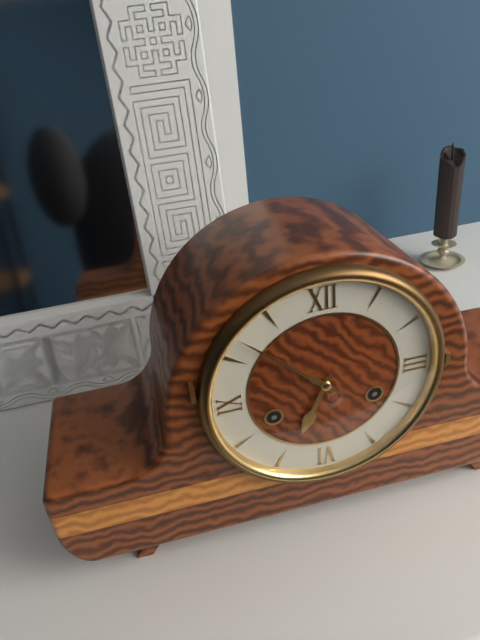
{"hour": 6, "minute": 52}
